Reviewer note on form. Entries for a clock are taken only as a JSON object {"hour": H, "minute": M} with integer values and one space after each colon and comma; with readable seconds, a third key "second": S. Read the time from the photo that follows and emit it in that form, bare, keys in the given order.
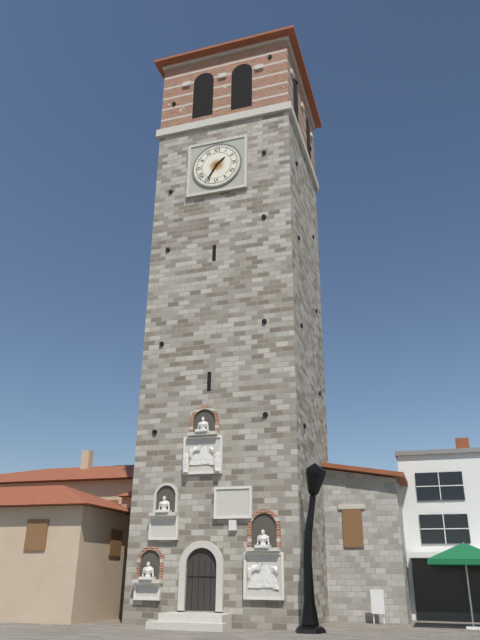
{"hour": 1, "minute": 35}
